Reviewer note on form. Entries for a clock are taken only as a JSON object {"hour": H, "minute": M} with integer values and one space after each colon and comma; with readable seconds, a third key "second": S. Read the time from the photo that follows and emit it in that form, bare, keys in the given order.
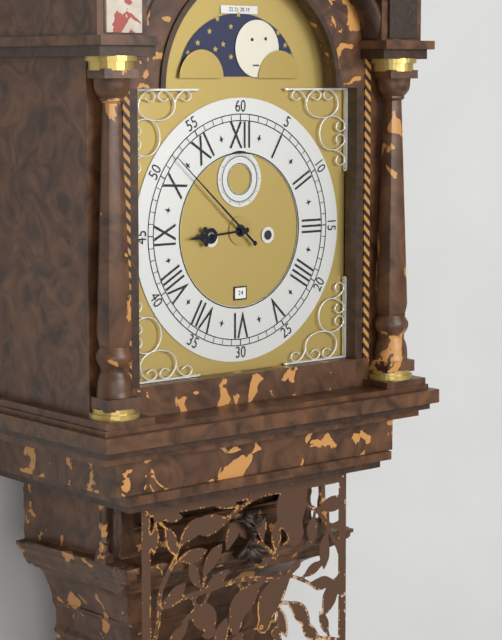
{"hour": 8, "minute": 52}
